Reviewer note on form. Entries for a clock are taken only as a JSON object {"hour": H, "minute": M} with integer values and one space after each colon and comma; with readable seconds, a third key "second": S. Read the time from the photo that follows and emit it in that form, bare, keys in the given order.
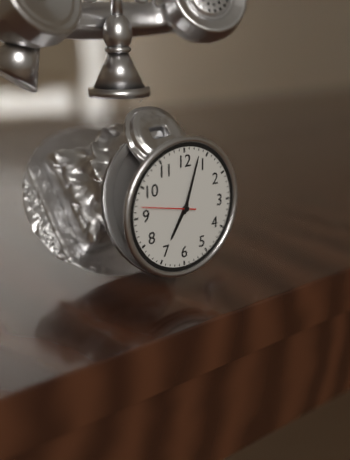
{"hour": 7, "minute": 3, "second": 47}
